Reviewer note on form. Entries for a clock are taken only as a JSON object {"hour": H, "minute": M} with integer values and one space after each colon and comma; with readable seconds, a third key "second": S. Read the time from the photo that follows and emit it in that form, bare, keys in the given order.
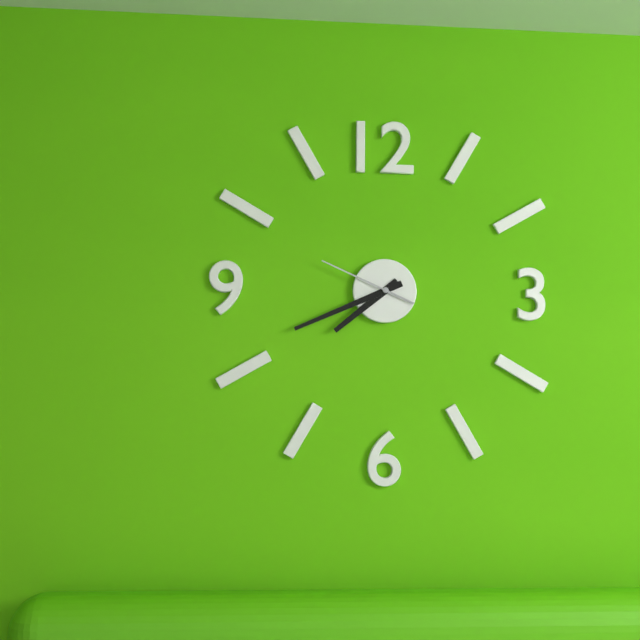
{"hour": 7, "minute": 41, "second": 49}
